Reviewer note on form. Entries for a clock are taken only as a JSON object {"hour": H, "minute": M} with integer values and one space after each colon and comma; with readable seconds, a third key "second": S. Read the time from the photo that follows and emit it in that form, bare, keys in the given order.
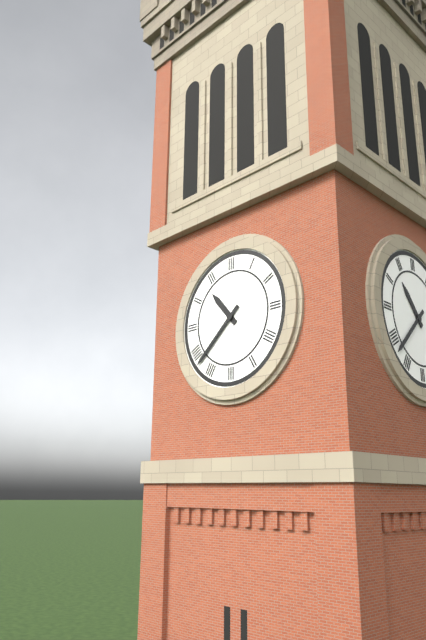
{"hour": 10, "minute": 38}
